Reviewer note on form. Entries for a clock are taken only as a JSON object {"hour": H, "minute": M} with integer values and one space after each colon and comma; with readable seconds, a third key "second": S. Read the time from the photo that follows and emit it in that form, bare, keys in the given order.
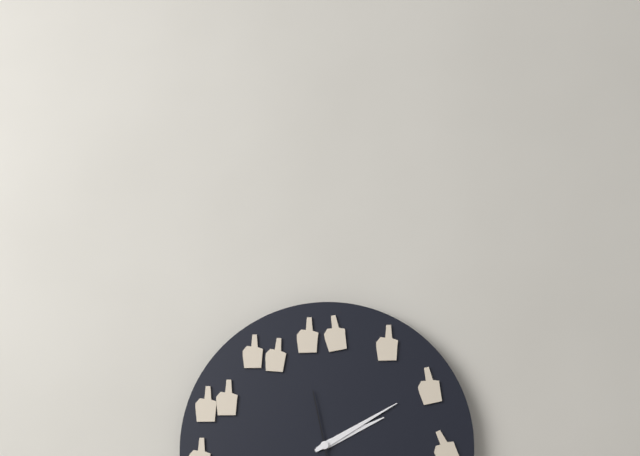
{"hour": 2, "minute": 10, "second": 58}
